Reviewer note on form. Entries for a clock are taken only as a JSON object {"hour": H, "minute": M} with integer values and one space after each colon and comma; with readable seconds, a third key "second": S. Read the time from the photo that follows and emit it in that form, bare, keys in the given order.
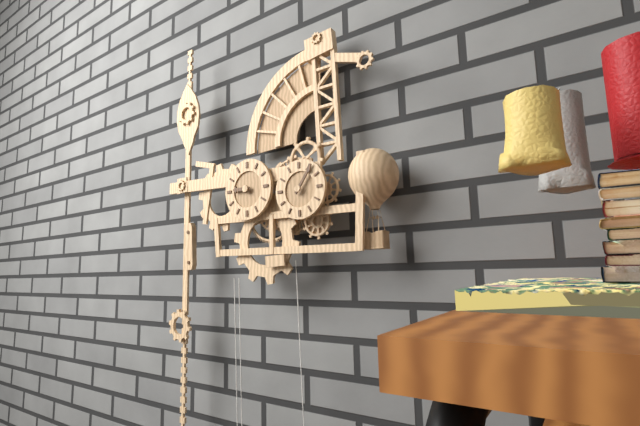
{"hour": 9, "minute": 6}
